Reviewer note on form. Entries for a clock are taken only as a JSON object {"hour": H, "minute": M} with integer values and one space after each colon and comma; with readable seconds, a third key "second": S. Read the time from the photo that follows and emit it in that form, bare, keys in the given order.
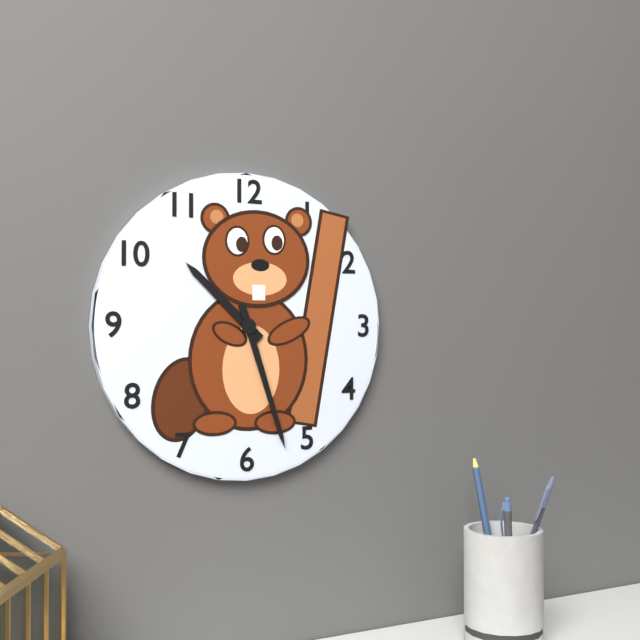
{"hour": 10, "minute": 27}
